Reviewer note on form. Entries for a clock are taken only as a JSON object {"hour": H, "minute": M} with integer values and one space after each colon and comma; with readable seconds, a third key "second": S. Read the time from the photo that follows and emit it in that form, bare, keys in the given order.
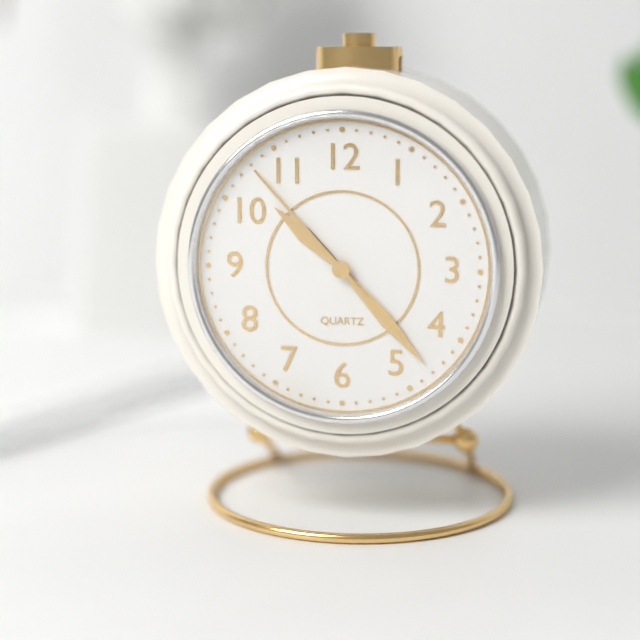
{"hour": 10, "minute": 23, "second": 53}
